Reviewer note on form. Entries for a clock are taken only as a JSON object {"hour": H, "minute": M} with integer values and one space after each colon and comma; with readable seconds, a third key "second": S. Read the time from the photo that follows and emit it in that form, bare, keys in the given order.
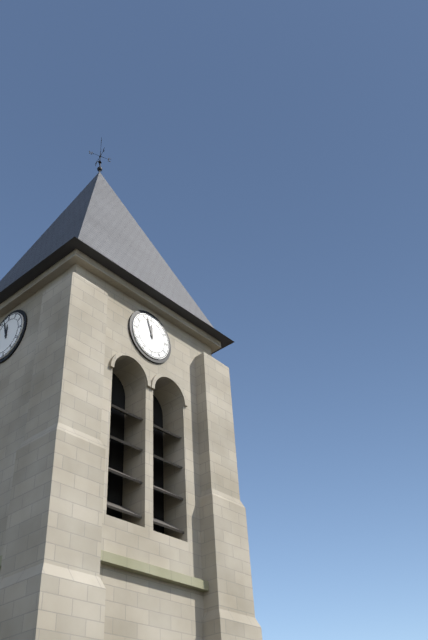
{"hour": 11, "minute": 57}
